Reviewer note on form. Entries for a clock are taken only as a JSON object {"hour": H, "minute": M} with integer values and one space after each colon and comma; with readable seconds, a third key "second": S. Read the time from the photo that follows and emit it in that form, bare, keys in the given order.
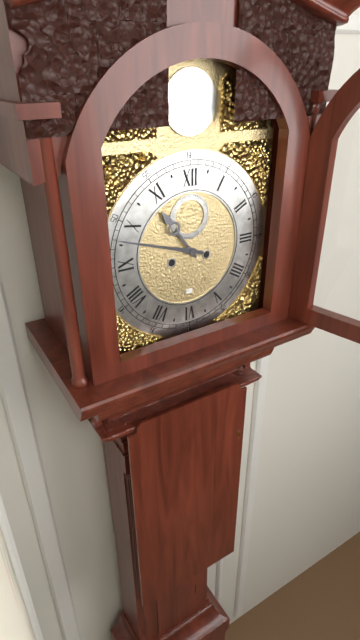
{"hour": 10, "minute": 48}
